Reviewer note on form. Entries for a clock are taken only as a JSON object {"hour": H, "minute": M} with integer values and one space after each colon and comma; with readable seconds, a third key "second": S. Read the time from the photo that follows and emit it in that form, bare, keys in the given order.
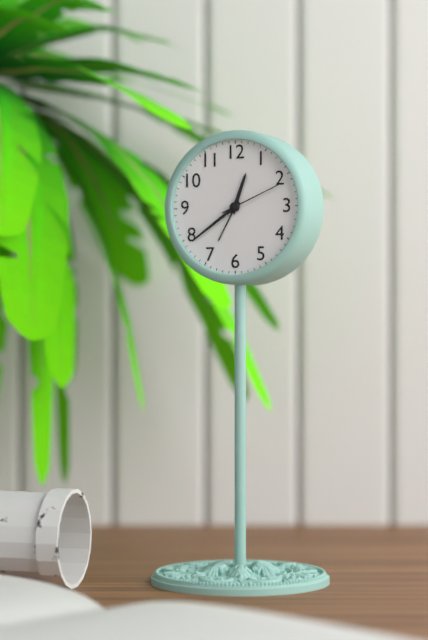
{"hour": 12, "minute": 39, "second": 11}
